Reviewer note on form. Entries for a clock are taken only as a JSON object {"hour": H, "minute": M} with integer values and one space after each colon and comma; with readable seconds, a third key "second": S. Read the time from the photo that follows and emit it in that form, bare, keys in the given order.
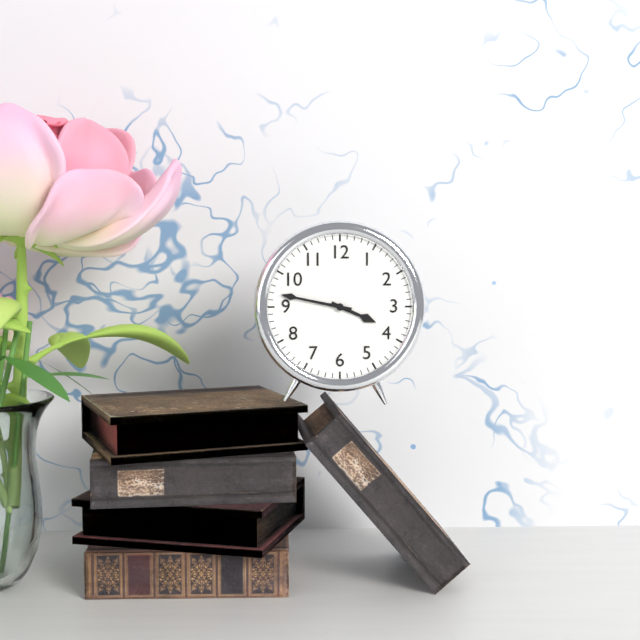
{"hour": 3, "minute": 47}
